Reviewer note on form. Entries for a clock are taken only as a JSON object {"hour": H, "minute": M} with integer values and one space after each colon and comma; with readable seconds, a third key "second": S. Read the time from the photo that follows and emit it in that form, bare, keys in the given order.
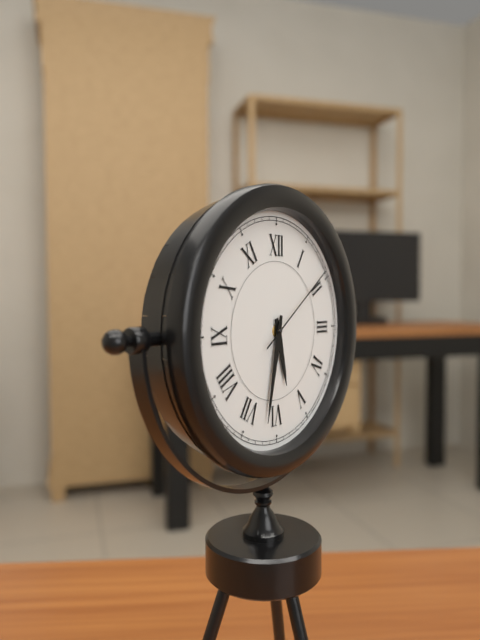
{"hour": 5, "minute": 32, "second": 9}
